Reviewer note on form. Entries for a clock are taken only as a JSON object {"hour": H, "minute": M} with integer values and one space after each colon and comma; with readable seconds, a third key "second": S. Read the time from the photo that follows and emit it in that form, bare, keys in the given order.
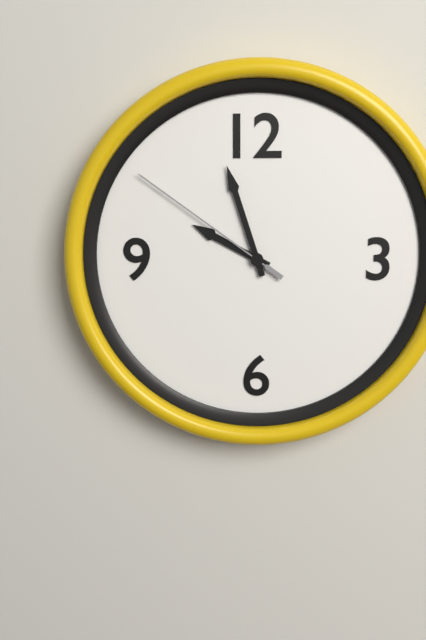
{"hour": 9, "minute": 57, "second": 51}
